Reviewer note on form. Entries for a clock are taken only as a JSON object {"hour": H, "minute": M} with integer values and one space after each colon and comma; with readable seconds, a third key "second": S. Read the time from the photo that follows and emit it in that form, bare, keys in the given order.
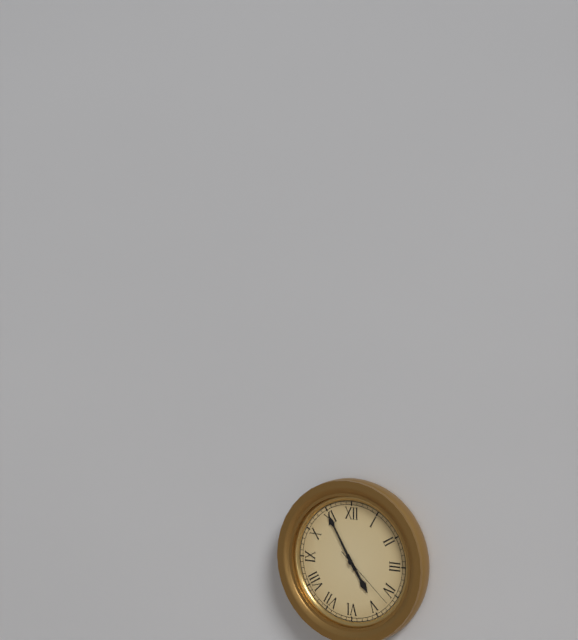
{"hour": 4, "minute": 55, "second": 22}
